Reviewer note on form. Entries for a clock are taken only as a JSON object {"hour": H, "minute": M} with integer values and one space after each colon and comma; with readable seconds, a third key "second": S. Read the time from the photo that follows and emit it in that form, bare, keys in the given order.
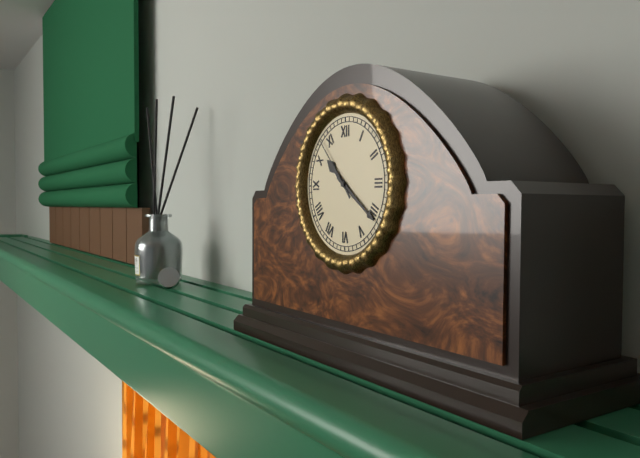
{"hour": 10, "minute": 21, "second": 53}
